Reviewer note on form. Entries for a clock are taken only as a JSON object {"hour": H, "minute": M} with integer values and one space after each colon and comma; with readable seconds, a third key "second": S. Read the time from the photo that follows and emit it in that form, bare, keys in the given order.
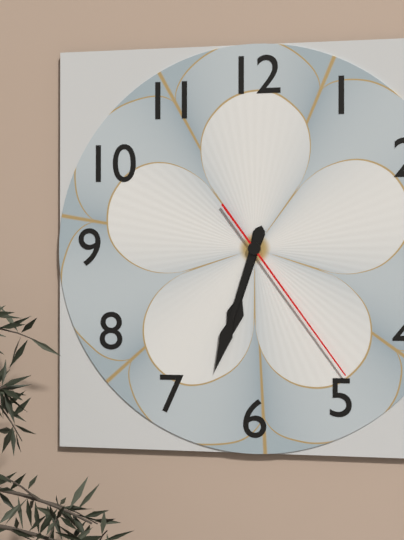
{"hour": 6, "minute": 33, "second": 24}
